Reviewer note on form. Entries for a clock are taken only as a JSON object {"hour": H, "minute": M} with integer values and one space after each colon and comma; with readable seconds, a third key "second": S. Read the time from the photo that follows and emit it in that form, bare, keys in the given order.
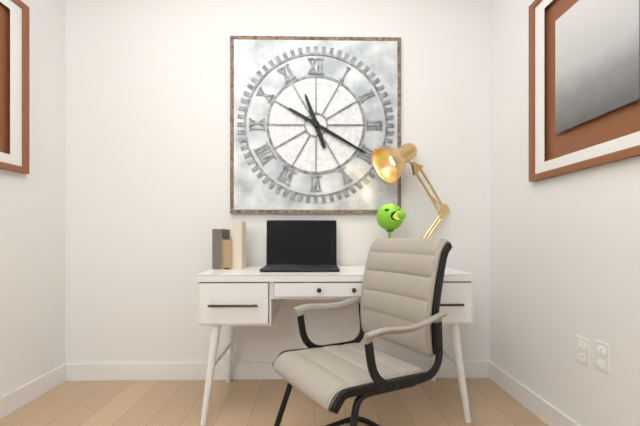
{"hour": 11, "minute": 20}
